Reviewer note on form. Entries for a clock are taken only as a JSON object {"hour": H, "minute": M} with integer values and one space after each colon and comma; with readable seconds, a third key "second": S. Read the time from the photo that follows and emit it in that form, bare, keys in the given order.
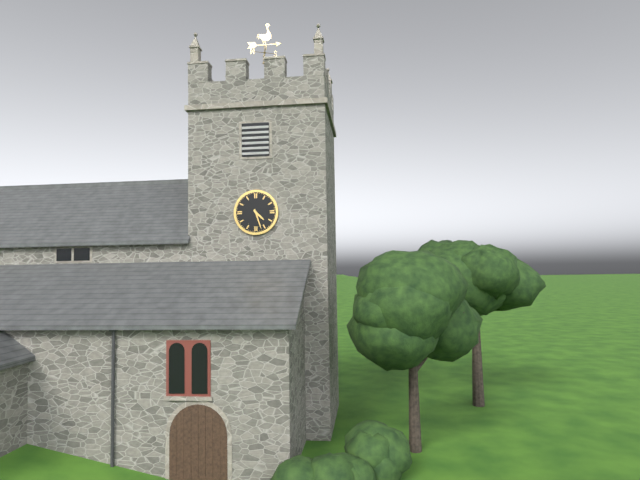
{"hour": 4, "minute": 27}
